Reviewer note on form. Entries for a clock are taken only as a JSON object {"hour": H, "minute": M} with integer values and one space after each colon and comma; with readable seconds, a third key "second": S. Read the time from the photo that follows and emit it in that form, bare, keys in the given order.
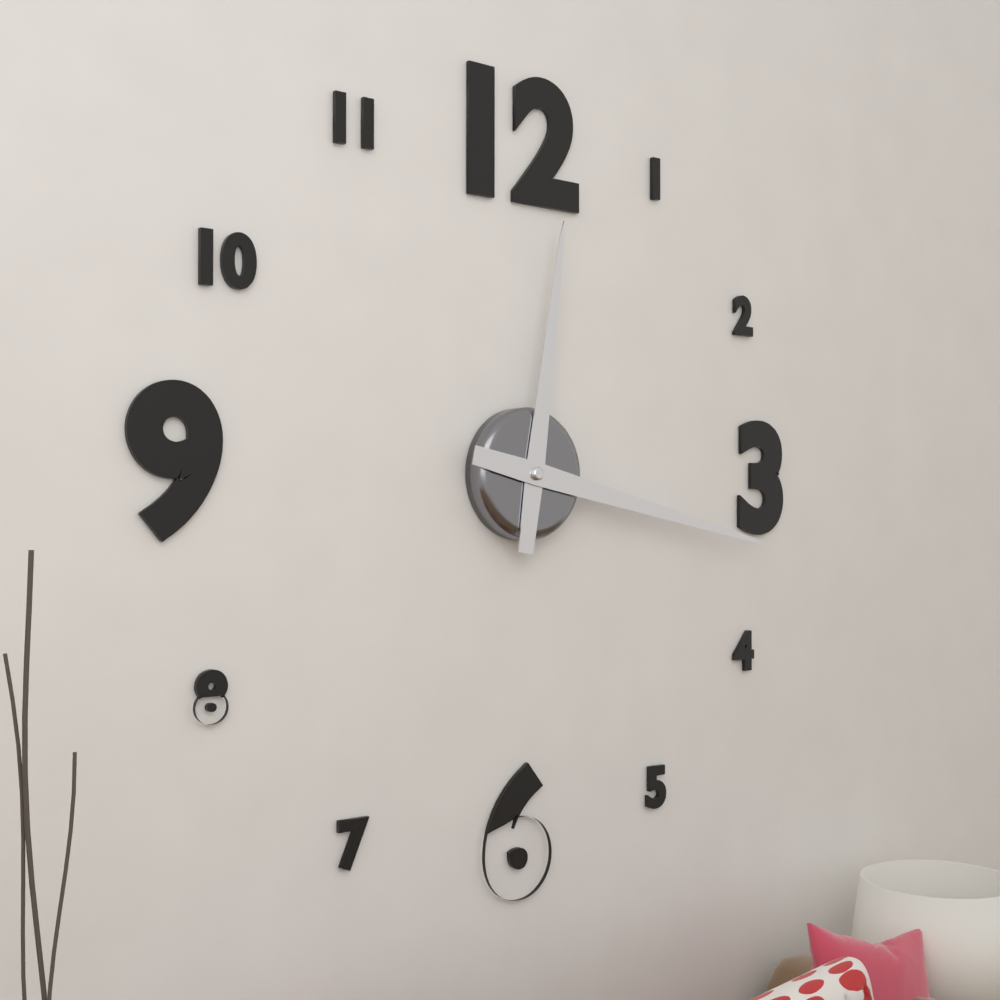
{"hour": 12, "minute": 17}
